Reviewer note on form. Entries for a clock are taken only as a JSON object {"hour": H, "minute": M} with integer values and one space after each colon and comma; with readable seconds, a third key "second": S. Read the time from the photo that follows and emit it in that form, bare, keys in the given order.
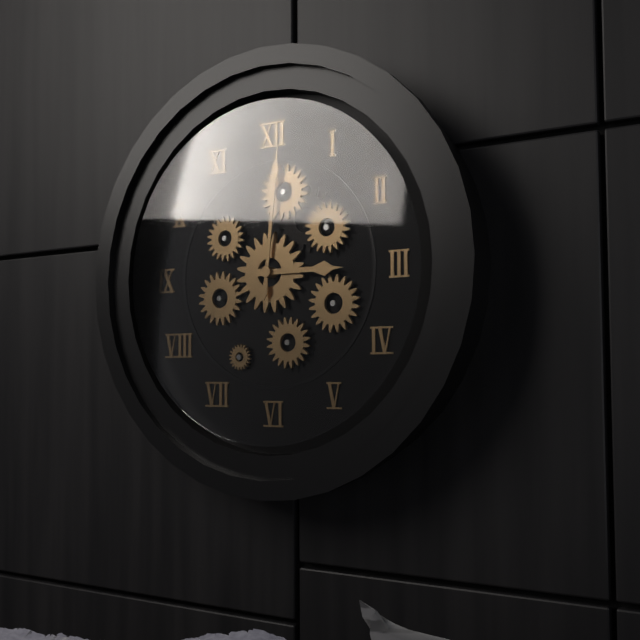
{"hour": 3, "minute": 1}
